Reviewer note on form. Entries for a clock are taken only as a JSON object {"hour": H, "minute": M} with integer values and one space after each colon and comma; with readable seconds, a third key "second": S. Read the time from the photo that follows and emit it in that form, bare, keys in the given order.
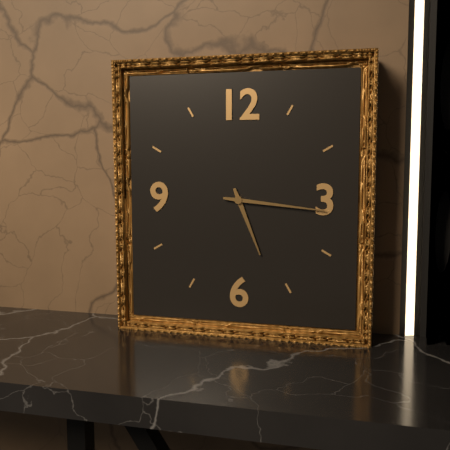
{"hour": 5, "minute": 16}
